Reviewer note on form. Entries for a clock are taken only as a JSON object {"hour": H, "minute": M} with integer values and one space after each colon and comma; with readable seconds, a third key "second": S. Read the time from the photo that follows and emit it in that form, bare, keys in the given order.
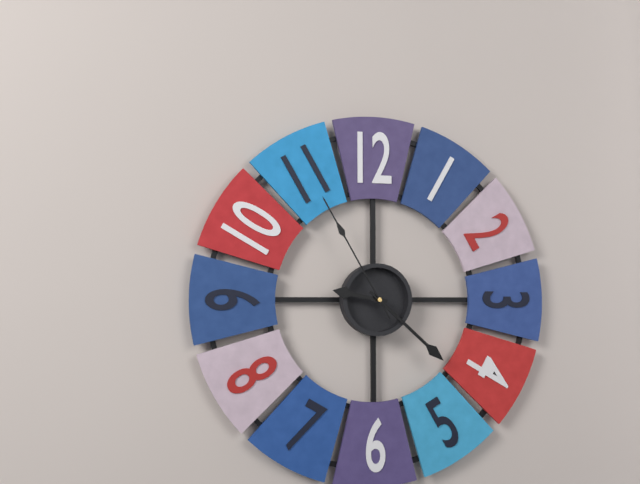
{"hour": 9, "minute": 22, "second": 55}
